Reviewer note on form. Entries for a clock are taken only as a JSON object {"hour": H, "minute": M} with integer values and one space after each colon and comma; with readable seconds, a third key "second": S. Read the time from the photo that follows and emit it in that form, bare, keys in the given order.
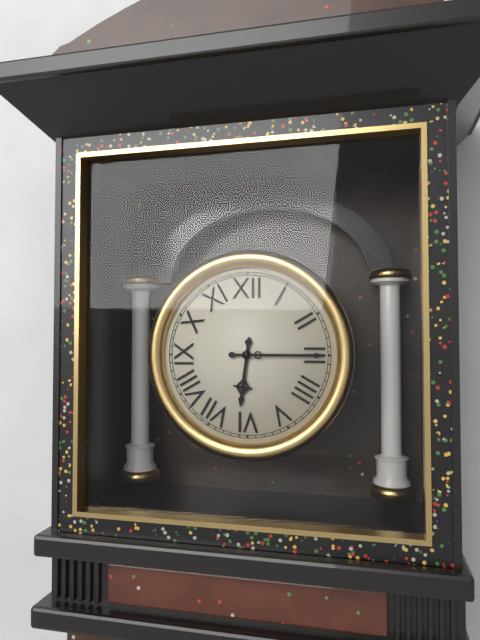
{"hour": 6, "minute": 15}
